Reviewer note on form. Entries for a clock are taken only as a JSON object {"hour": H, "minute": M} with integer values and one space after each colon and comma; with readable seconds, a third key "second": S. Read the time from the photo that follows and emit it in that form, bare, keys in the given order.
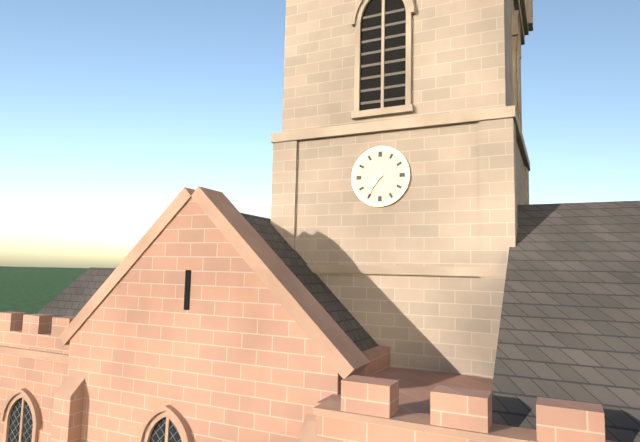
{"hour": 7, "minute": 36}
